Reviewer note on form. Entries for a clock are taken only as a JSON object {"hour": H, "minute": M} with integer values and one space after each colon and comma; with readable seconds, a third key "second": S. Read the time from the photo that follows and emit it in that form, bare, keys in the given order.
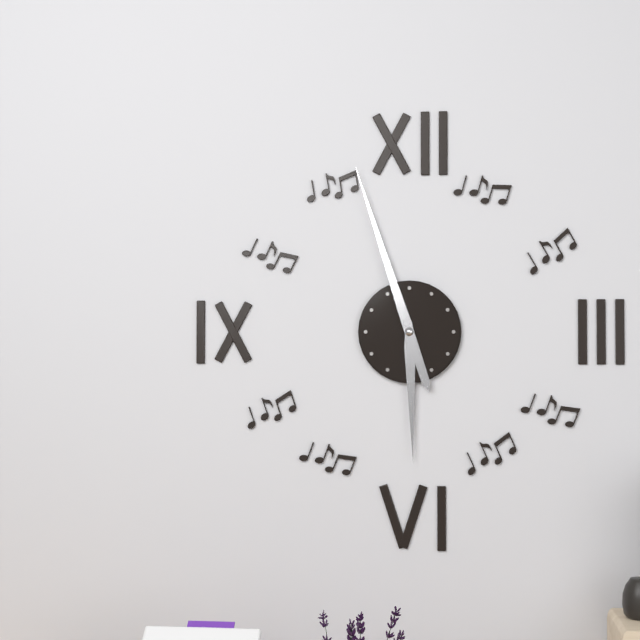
{"hour": 5, "minute": 57}
